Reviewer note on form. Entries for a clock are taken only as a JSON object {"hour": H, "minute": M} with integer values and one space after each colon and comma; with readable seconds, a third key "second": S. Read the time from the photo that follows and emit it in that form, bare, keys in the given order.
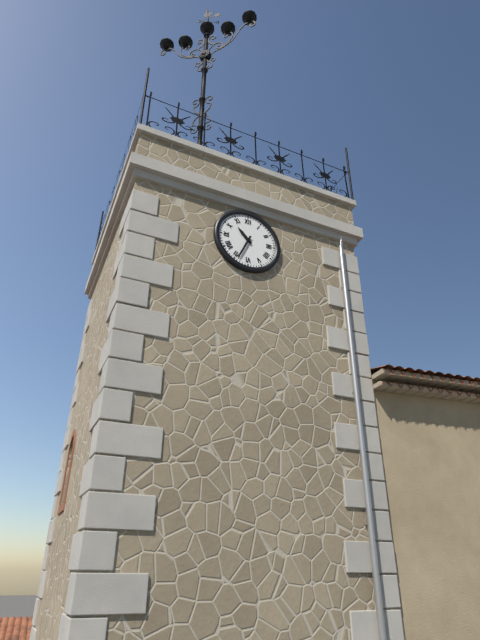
{"hour": 10, "minute": 34}
